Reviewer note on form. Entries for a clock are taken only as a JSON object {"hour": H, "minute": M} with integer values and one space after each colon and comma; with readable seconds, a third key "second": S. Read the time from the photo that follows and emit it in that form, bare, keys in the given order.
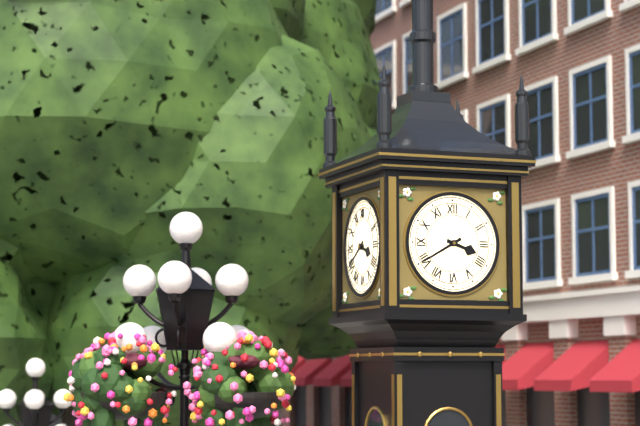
{"hour": 3, "minute": 40}
